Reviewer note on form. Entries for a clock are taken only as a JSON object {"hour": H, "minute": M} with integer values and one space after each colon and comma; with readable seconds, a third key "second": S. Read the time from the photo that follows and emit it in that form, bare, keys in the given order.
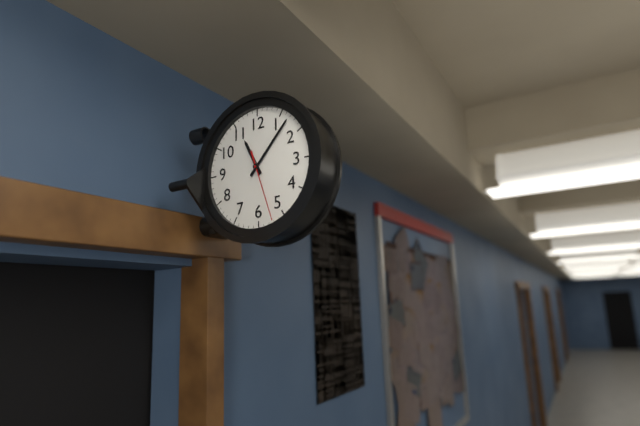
{"hour": 11, "minute": 7, "second": 27}
